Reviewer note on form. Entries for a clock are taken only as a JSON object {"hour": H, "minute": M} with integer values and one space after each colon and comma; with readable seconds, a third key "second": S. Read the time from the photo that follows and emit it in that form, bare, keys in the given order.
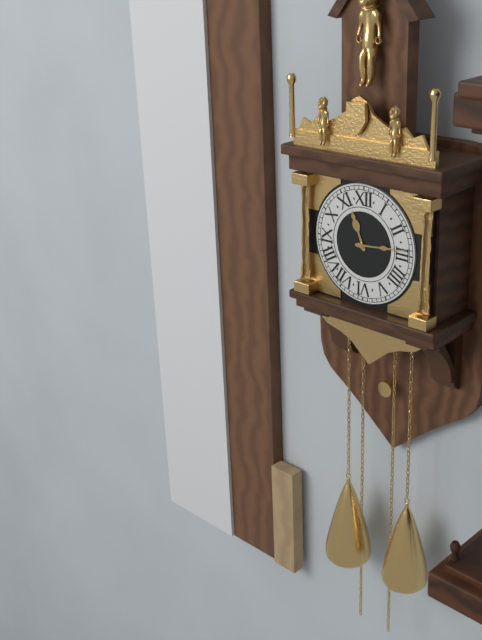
{"hour": 11, "minute": 14}
